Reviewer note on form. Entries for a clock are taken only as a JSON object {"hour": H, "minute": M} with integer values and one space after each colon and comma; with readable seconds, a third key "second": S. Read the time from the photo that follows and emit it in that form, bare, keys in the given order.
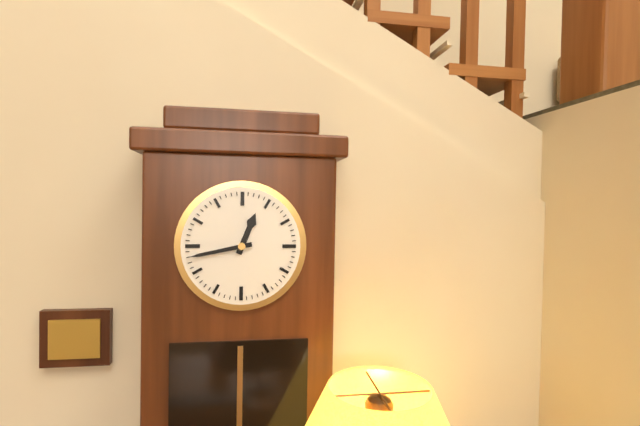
{"hour": 12, "minute": 43}
